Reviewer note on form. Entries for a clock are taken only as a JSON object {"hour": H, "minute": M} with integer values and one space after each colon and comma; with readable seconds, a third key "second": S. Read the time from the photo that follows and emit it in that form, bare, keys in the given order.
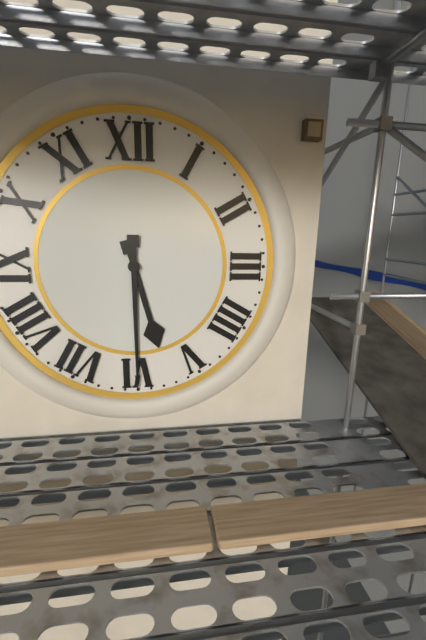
{"hour": 5, "minute": 30}
